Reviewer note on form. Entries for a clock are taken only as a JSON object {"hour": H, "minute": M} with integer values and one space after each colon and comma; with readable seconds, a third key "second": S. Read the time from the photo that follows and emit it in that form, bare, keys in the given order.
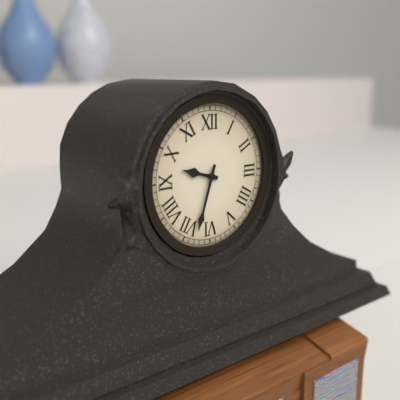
{"hour": 9, "minute": 33}
